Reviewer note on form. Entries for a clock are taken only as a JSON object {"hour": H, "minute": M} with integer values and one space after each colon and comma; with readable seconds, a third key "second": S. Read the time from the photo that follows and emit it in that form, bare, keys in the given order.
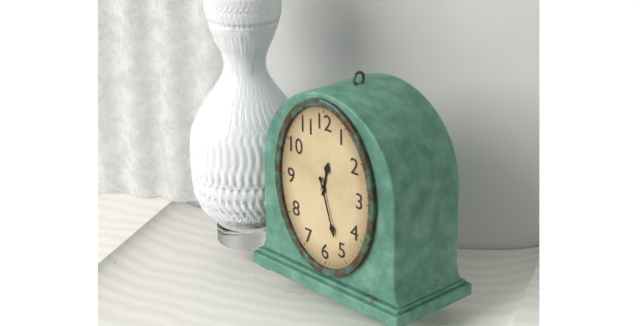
{"hour": 12, "minute": 27}
